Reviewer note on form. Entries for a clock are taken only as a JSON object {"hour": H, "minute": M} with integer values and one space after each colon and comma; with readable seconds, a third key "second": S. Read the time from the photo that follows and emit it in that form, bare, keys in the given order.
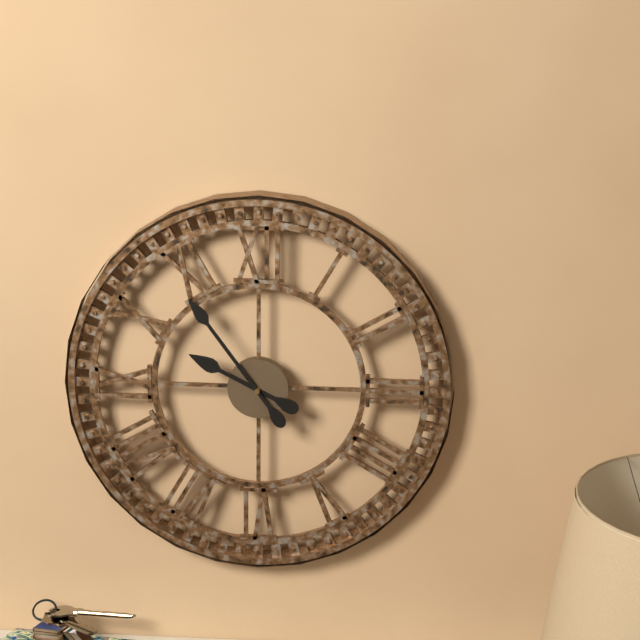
{"hour": 9, "minute": 54}
